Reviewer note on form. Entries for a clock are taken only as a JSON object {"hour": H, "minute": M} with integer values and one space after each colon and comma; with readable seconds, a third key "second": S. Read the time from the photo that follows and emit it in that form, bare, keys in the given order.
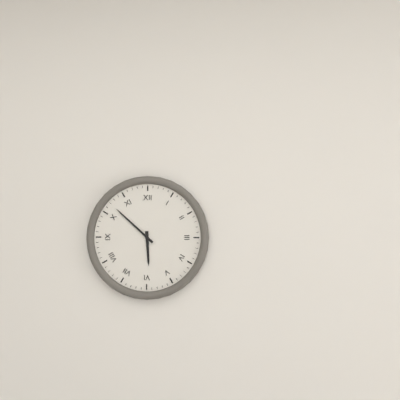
{"hour": 5, "minute": 52}
